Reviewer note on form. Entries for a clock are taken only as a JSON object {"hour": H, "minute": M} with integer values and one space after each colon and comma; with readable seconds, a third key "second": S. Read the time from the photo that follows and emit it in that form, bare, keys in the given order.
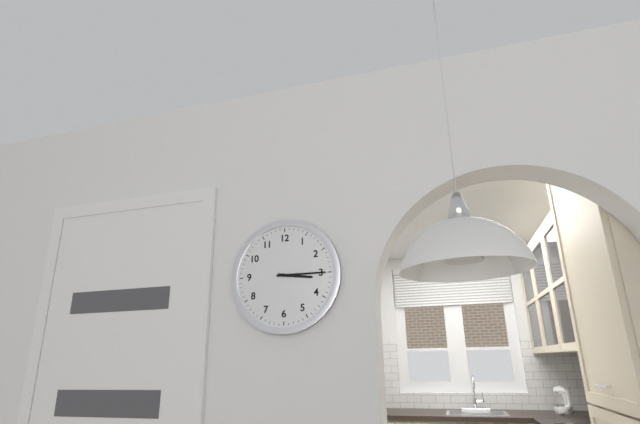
{"hour": 3, "minute": 15}
